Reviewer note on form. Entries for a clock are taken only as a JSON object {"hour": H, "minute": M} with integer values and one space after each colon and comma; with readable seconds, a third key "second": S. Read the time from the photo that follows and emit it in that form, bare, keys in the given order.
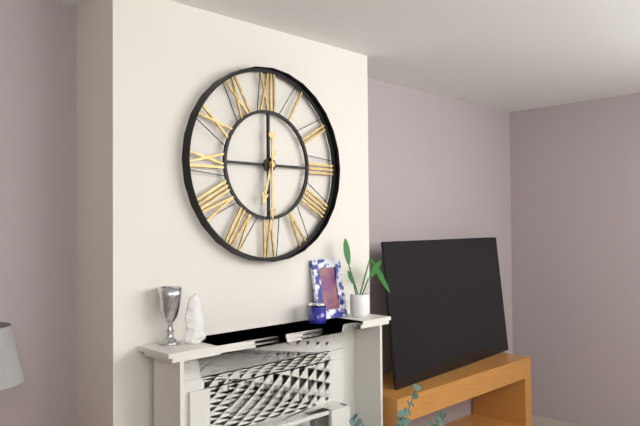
{"hour": 6, "minute": 30}
